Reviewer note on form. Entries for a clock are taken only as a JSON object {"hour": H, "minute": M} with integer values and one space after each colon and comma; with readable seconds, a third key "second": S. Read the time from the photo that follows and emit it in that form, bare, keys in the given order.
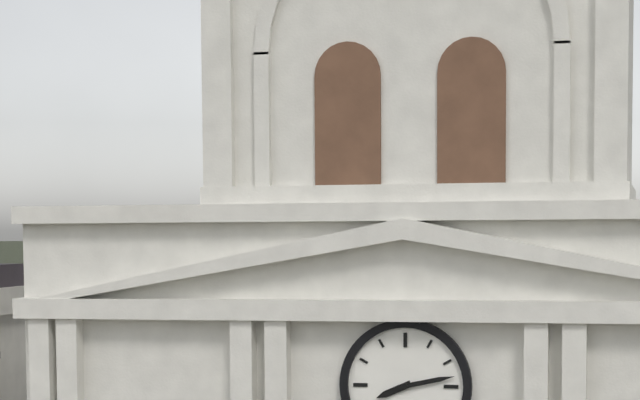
{"hour": 8, "minute": 13}
